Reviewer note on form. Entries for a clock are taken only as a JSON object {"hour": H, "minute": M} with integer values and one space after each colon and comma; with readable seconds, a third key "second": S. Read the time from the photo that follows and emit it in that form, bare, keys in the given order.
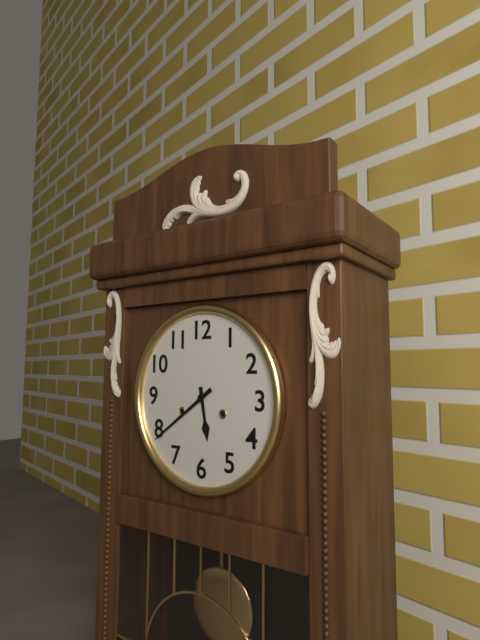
{"hour": 5, "minute": 39}
